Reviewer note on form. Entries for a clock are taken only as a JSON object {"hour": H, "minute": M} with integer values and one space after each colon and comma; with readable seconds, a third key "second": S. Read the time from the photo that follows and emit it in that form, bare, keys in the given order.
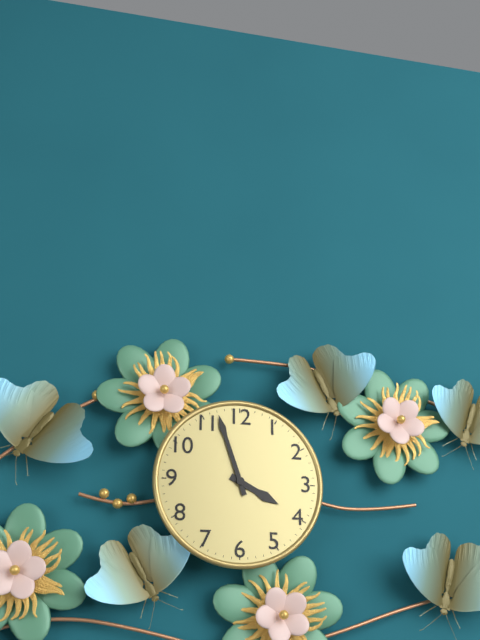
{"hour": 3, "minute": 57}
